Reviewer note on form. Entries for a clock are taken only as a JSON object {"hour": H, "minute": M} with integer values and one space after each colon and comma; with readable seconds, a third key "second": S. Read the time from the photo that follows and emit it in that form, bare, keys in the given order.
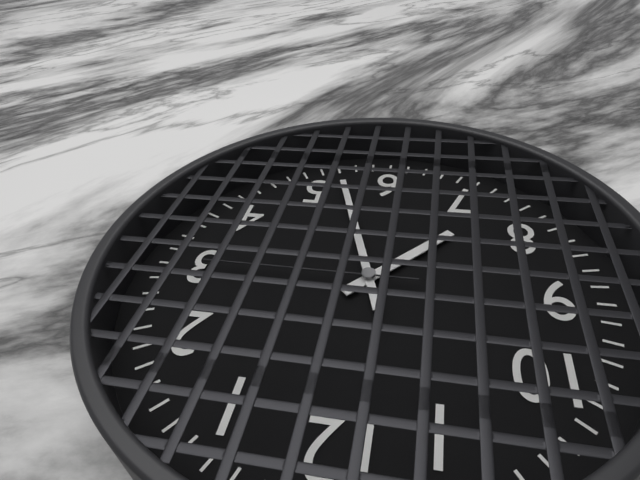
{"hour": 7, "minute": 27, "second": 15}
